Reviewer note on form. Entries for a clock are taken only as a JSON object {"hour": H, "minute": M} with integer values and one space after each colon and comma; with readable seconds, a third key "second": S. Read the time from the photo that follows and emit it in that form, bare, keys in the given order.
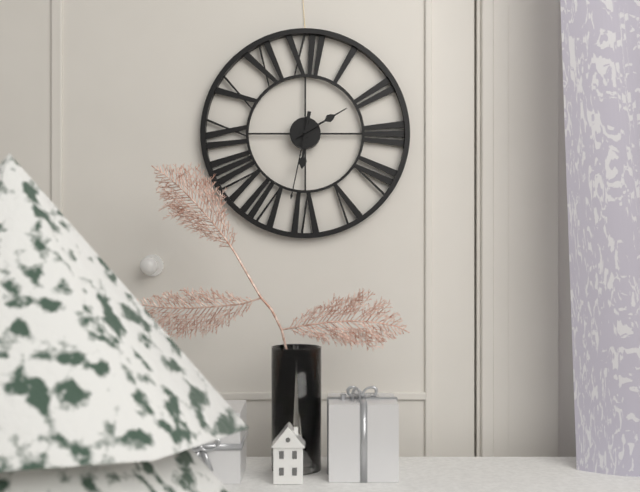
{"hour": 6, "minute": 10, "second": 32}
